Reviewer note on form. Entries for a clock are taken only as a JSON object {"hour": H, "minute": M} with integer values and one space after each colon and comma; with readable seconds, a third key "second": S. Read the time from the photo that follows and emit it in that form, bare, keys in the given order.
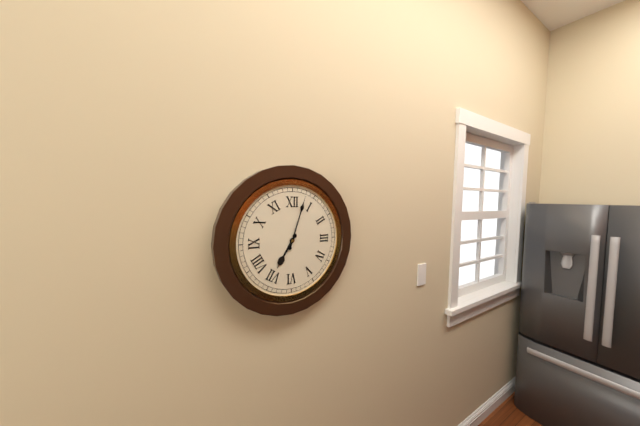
{"hour": 7, "minute": 3}
